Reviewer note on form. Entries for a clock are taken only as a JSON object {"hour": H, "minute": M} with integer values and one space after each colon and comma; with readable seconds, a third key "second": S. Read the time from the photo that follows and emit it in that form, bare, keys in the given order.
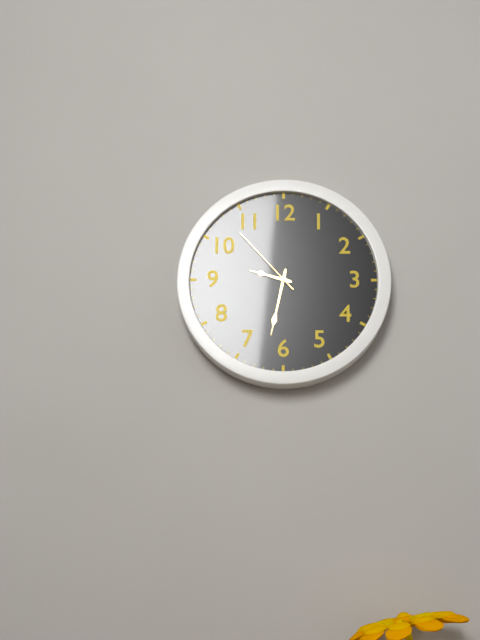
{"hour": 9, "minute": 32, "second": 53}
